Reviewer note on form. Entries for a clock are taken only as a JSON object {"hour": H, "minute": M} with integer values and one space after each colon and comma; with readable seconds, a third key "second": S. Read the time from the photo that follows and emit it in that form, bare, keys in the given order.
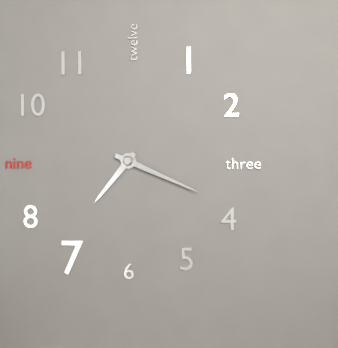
{"hour": 7, "minute": 19}
